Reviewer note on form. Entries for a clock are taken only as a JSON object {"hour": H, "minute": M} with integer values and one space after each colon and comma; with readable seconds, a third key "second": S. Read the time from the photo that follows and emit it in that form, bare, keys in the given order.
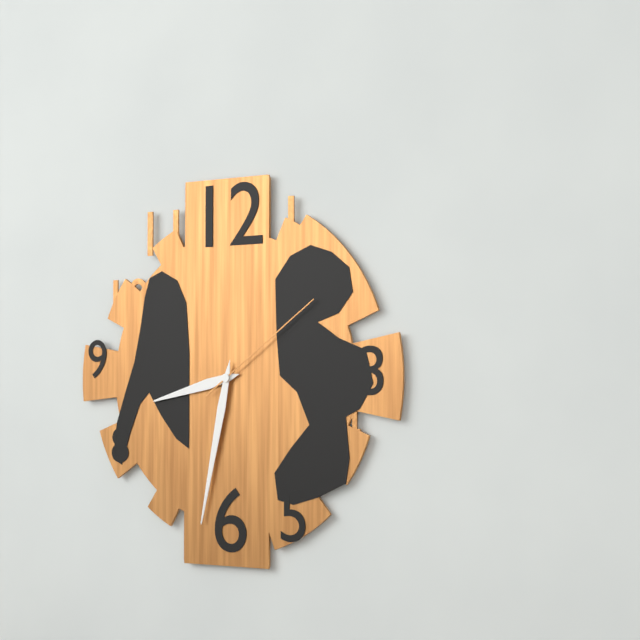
{"hour": 8, "minute": 32, "second": 9}
